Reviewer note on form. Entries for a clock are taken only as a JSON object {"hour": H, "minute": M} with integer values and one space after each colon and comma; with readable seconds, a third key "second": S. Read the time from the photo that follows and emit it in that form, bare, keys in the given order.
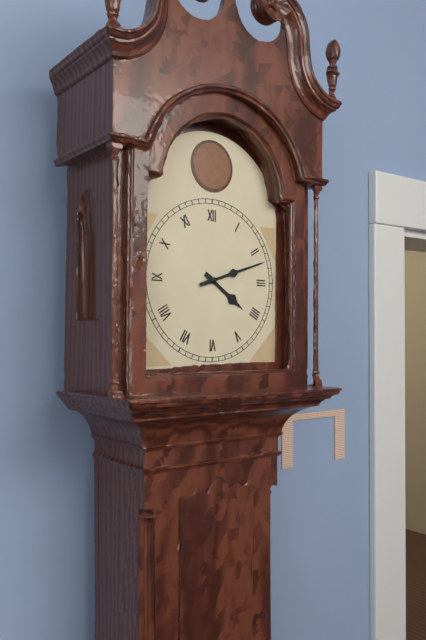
{"hour": 4, "minute": 12}
